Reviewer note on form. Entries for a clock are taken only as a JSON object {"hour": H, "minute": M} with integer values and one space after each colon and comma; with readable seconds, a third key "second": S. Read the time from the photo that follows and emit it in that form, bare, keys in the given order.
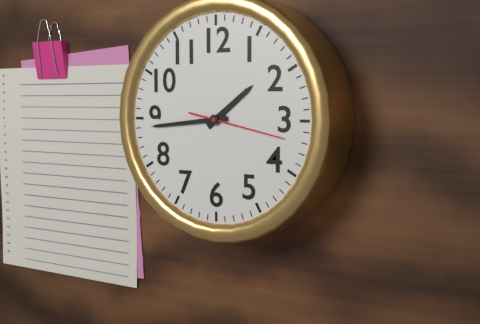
{"hour": 1, "minute": 44, "second": 17}
